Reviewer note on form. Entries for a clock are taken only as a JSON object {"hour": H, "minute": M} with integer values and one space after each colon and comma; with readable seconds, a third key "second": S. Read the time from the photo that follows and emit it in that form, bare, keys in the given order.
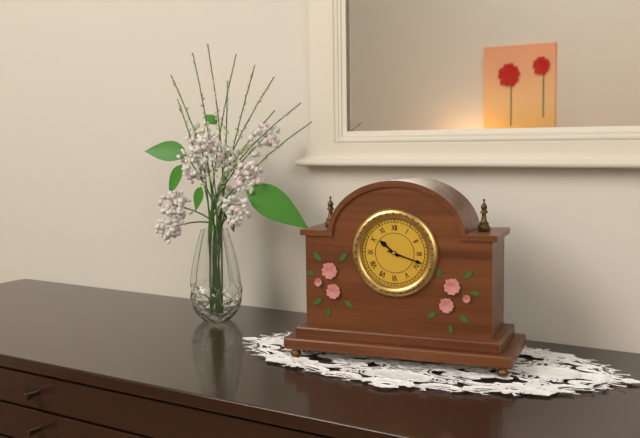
{"hour": 10, "minute": 18}
